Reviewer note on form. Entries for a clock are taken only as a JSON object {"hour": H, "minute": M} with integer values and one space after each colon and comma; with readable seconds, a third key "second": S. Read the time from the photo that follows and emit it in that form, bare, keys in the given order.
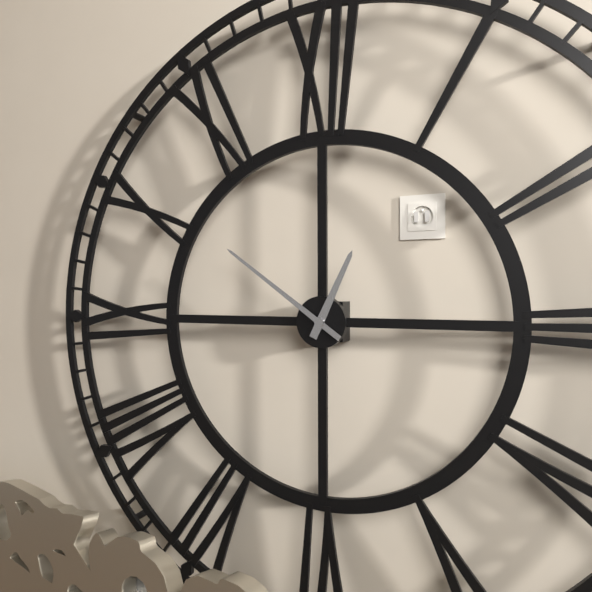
{"hour": 12, "minute": 51}
